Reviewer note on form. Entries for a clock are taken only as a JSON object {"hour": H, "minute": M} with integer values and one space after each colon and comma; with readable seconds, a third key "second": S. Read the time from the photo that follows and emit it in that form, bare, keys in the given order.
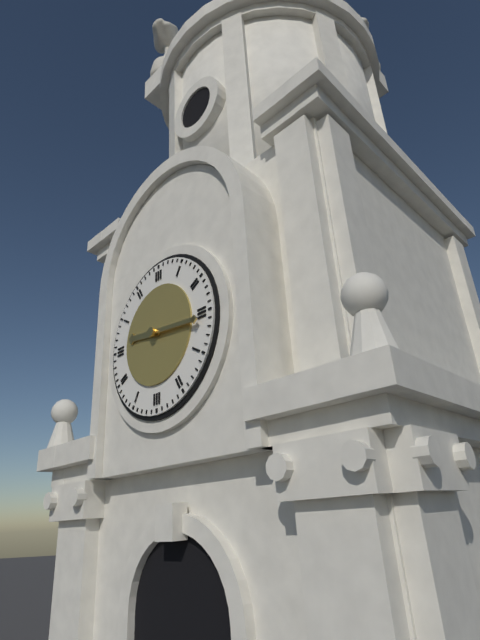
{"hour": 9, "minute": 16}
